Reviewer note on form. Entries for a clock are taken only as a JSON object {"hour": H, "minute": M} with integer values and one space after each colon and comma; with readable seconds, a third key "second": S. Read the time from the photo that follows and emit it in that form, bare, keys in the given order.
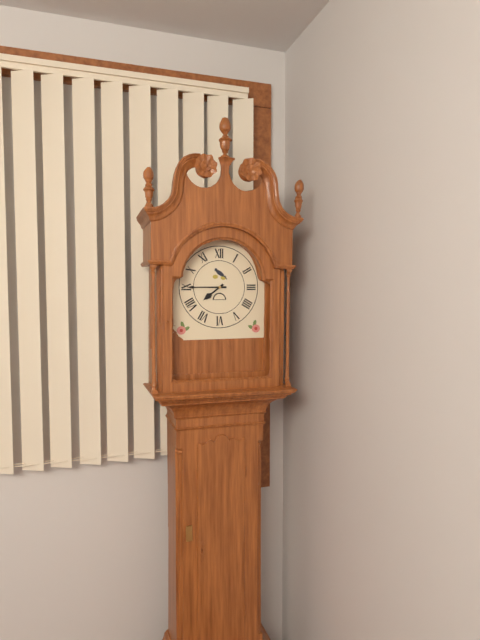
{"hour": 7, "minute": 45}
